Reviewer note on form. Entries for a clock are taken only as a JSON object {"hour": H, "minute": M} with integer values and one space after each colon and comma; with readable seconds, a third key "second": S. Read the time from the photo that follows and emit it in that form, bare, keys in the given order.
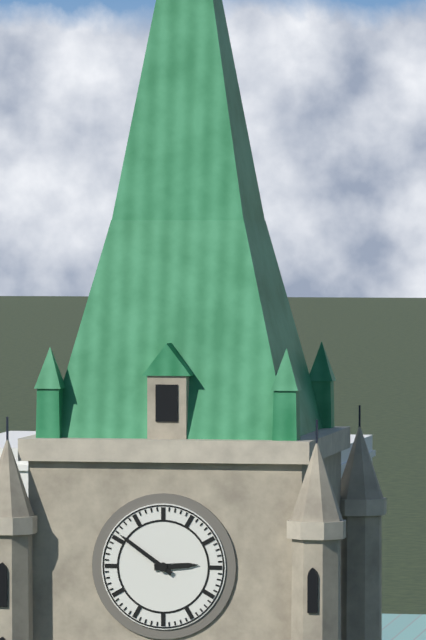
{"hour": 2, "minute": 51}
